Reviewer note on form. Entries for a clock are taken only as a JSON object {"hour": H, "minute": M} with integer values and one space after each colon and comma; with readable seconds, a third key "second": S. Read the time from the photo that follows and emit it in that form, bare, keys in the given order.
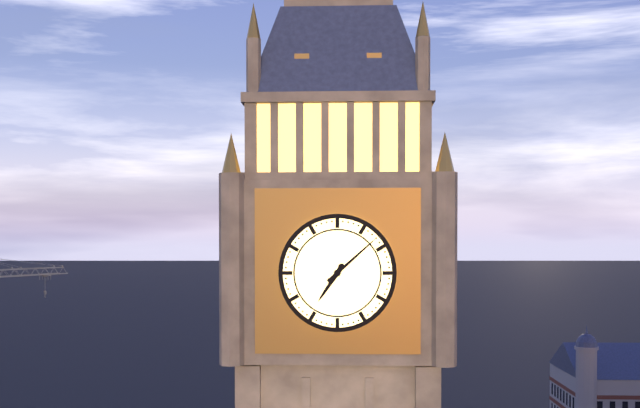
{"hour": 7, "minute": 8}
